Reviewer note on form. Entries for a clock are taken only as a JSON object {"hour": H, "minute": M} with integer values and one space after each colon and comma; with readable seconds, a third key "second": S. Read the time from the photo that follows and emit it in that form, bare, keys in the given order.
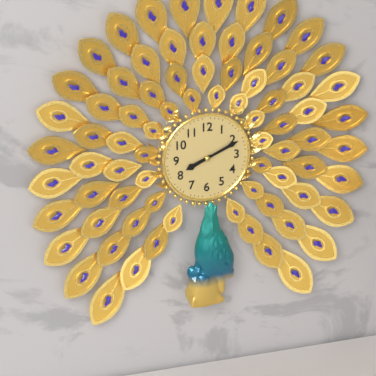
{"hour": 8, "minute": 11}
